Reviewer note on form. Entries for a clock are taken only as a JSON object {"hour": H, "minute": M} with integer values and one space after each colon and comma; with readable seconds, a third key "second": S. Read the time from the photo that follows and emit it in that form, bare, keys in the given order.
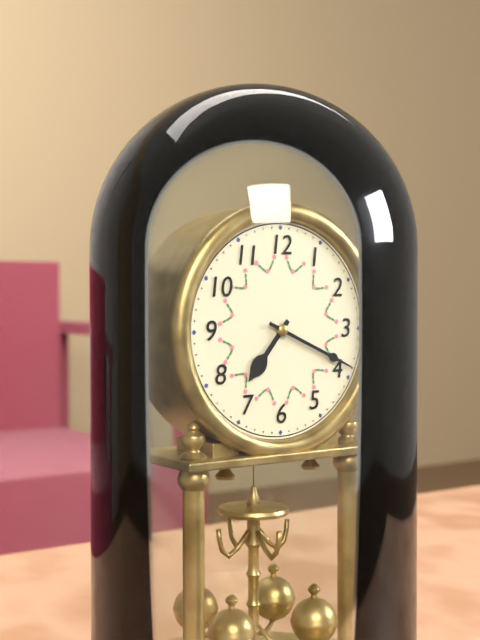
{"hour": 7, "minute": 19}
